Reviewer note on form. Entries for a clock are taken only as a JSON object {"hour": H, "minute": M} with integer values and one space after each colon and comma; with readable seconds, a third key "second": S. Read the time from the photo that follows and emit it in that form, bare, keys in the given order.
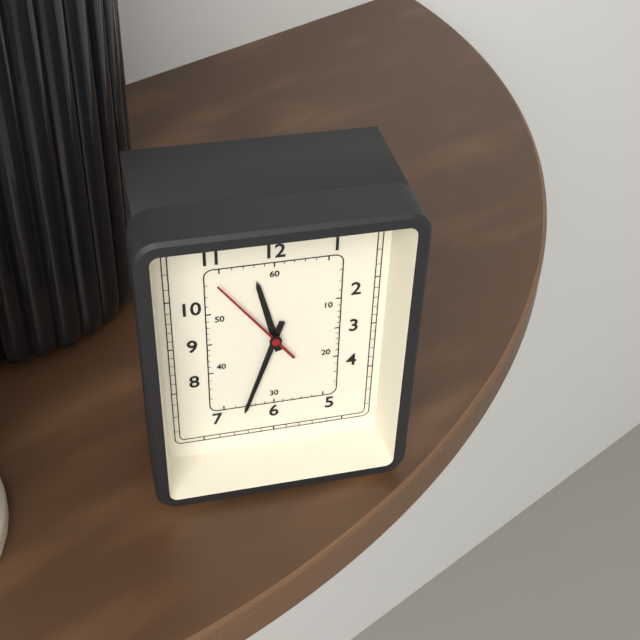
{"hour": 11, "minute": 33, "second": 54}
